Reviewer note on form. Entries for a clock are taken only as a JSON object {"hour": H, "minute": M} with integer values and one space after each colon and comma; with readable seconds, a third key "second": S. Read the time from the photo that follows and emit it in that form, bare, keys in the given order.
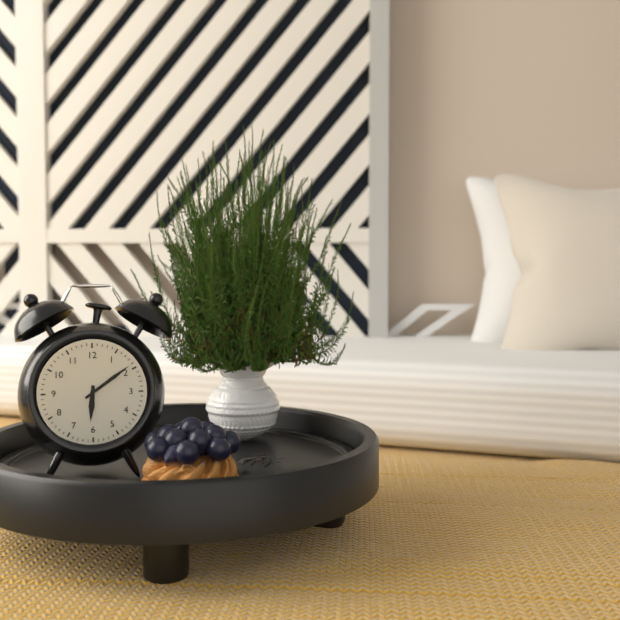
{"hour": 6, "minute": 9}
